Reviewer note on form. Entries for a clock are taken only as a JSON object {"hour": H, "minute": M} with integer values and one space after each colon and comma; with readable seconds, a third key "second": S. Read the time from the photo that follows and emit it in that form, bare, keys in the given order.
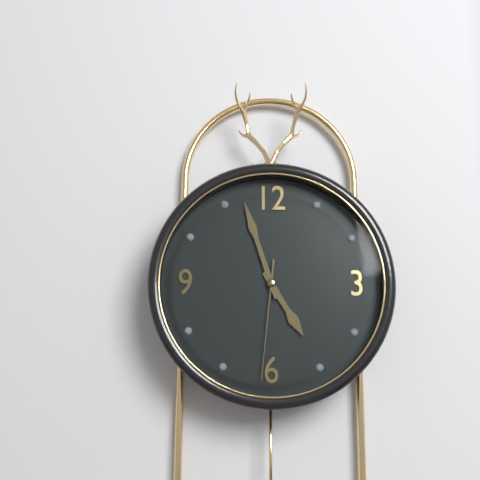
{"hour": 4, "minute": 57, "second": 31}
